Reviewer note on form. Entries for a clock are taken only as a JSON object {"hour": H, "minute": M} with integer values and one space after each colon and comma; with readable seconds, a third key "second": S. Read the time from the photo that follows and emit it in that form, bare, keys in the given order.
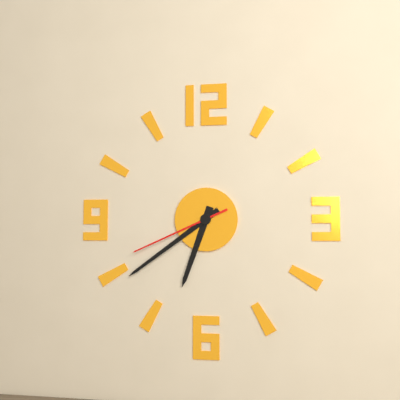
{"hour": 6, "minute": 39, "second": 41}
